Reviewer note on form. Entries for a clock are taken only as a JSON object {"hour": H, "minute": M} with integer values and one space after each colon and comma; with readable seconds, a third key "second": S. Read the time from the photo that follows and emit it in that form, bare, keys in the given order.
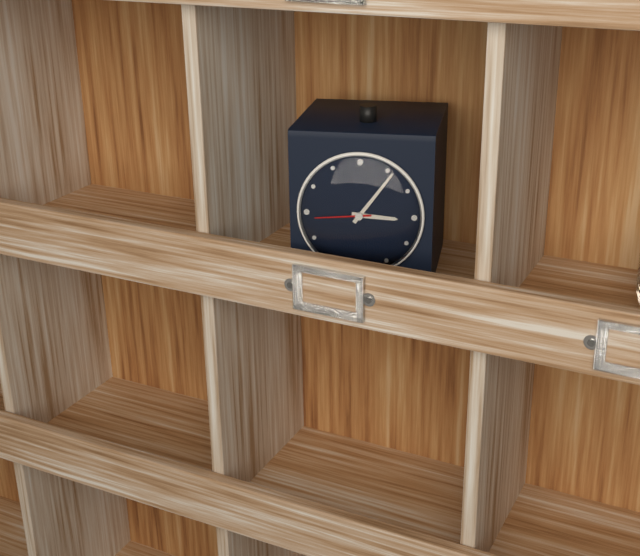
{"hour": 3, "minute": 6, "second": 44}
